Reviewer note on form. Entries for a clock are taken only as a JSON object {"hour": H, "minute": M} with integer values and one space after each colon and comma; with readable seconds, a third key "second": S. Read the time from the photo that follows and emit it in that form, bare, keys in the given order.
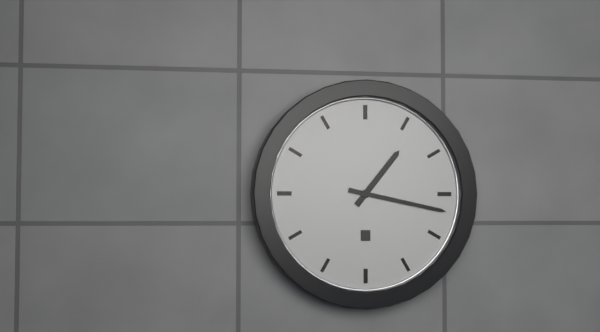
{"hour": 1, "minute": 17}
